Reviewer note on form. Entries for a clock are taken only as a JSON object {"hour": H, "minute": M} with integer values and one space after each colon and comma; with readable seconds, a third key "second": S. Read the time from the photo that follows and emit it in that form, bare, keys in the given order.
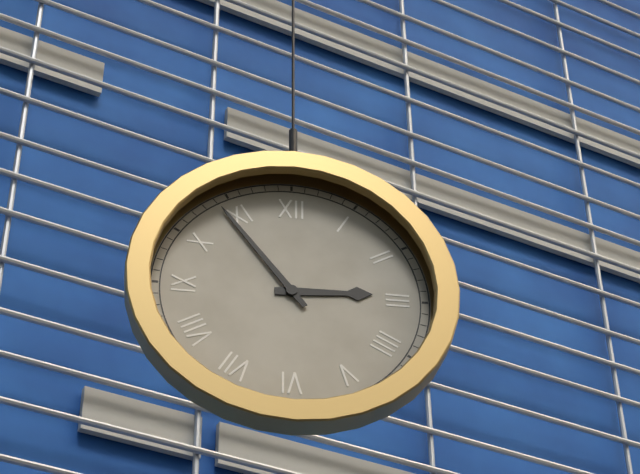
{"hour": 2, "minute": 54}
